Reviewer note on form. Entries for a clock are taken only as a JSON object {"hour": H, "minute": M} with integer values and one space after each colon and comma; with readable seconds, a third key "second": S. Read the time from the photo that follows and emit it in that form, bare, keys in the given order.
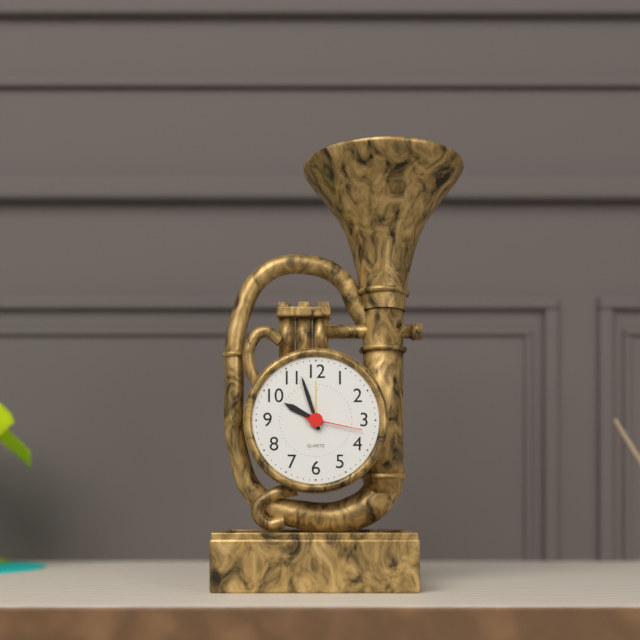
{"hour": 9, "minute": 57, "second": 17}
